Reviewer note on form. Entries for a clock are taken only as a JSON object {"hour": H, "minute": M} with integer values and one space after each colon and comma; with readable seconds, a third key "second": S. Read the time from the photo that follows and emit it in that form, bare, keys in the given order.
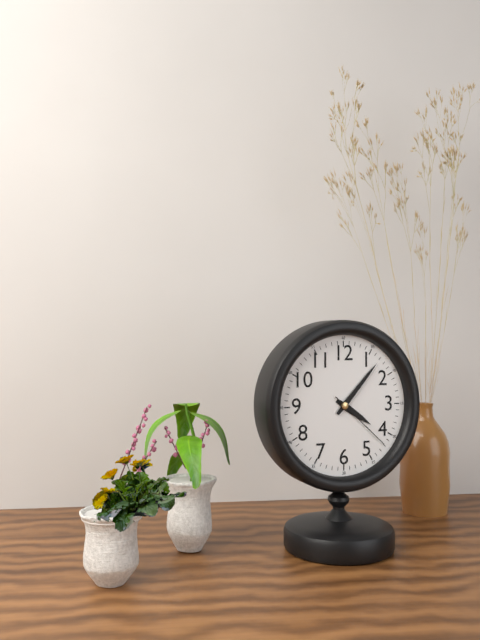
{"hour": 4, "minute": 7, "second": 22}
